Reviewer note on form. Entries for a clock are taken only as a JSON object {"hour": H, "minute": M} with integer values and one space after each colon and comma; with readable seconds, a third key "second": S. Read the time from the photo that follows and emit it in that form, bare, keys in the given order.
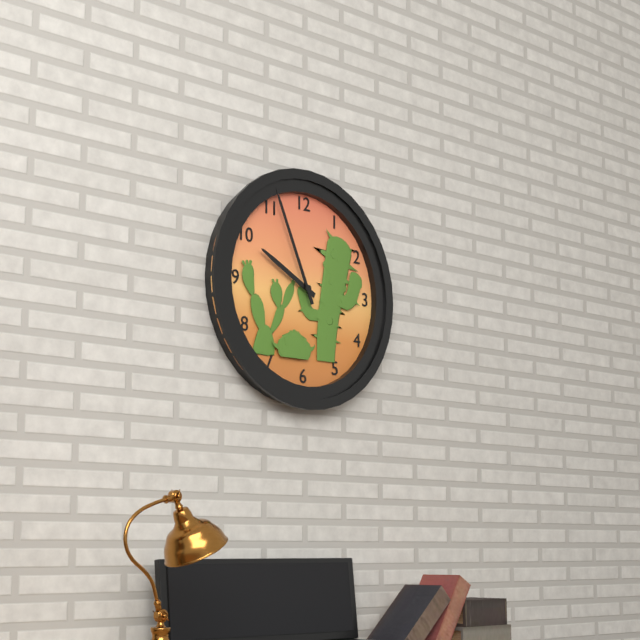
{"hour": 9, "minute": 56}
